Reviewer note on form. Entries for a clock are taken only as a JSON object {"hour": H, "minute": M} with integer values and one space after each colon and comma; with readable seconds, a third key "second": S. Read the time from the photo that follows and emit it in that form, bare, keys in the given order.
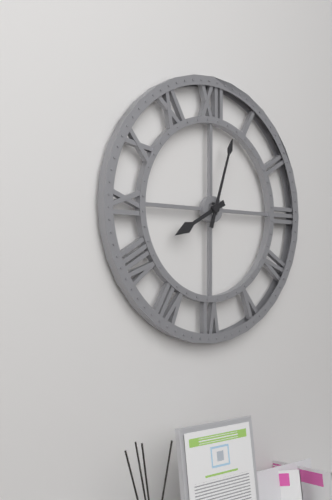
{"hour": 8, "minute": 3}
